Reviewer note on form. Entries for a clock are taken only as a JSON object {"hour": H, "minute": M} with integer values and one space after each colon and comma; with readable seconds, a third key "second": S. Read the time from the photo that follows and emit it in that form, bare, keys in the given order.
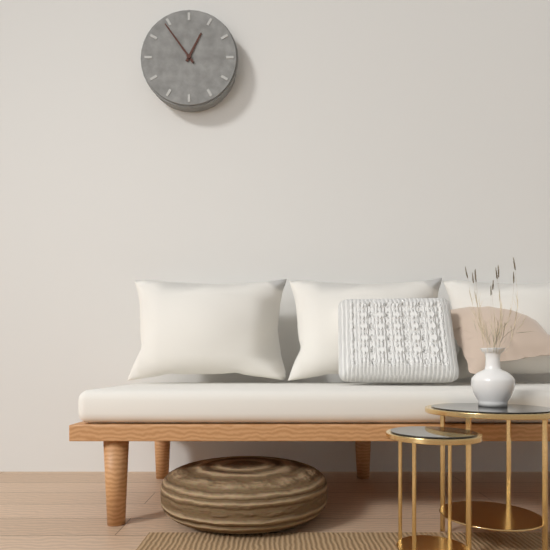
{"hour": 12, "minute": 54}
